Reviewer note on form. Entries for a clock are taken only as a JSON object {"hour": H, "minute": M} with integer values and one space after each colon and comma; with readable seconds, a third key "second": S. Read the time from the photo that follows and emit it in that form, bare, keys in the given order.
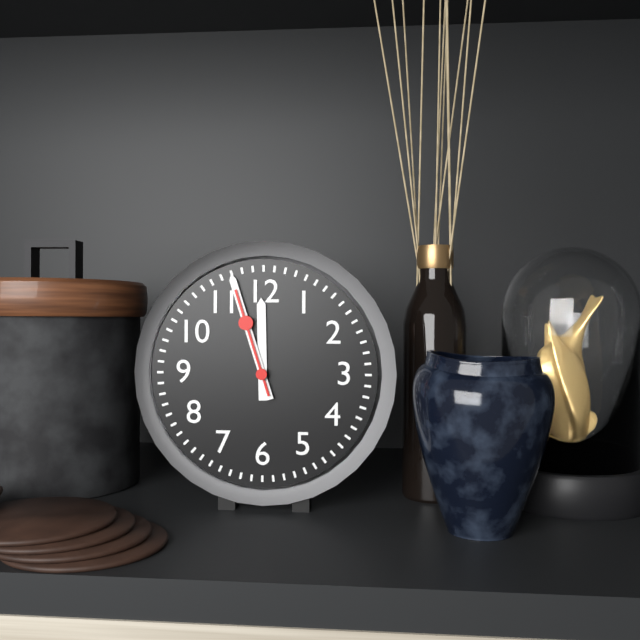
{"hour": 11, "minute": 57, "second": 57}
